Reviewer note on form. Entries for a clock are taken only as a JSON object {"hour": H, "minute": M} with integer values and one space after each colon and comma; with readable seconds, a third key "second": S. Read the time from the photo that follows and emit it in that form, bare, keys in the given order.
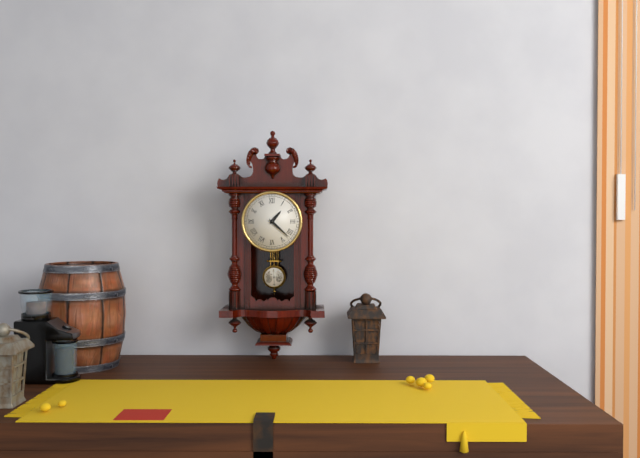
{"hour": 1, "minute": 22}
